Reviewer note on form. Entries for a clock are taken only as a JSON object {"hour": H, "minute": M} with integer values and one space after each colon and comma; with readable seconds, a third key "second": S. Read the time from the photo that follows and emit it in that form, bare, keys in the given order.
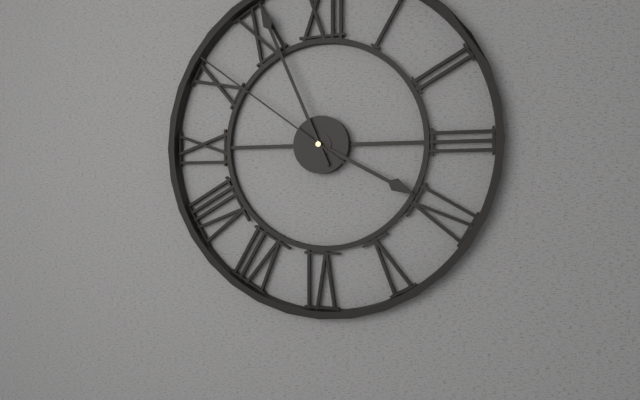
{"hour": 3, "minute": 56, "second": 51}
